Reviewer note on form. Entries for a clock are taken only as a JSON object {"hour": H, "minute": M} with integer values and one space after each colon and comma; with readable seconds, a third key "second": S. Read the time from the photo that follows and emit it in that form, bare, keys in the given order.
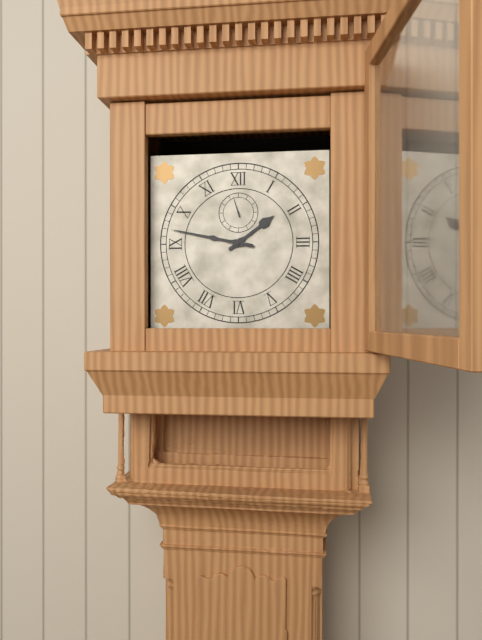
{"hour": 1, "minute": 47}
